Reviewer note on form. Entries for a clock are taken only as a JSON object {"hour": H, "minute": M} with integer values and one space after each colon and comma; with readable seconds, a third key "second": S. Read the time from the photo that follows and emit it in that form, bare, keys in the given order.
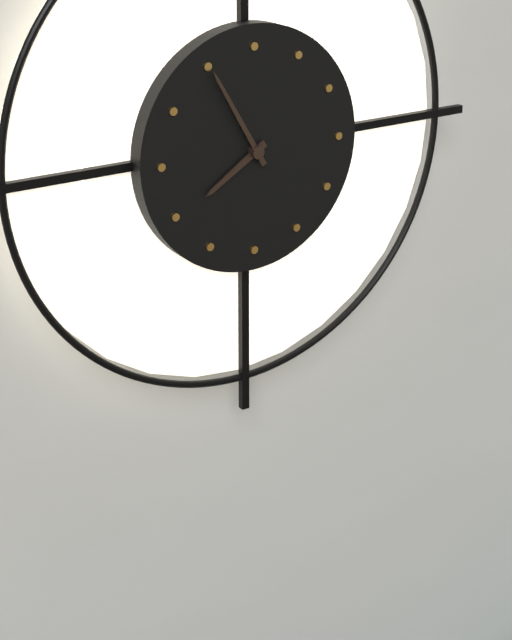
{"hour": 7, "minute": 55}
